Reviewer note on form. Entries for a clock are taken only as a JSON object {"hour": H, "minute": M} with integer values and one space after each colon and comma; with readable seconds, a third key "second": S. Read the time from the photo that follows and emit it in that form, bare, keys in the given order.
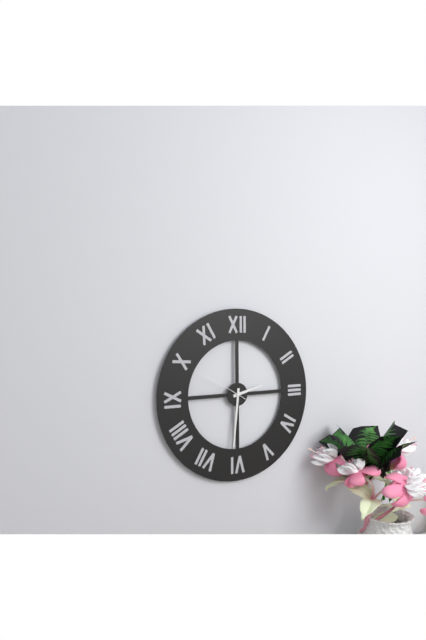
{"hour": 2, "minute": 31}
